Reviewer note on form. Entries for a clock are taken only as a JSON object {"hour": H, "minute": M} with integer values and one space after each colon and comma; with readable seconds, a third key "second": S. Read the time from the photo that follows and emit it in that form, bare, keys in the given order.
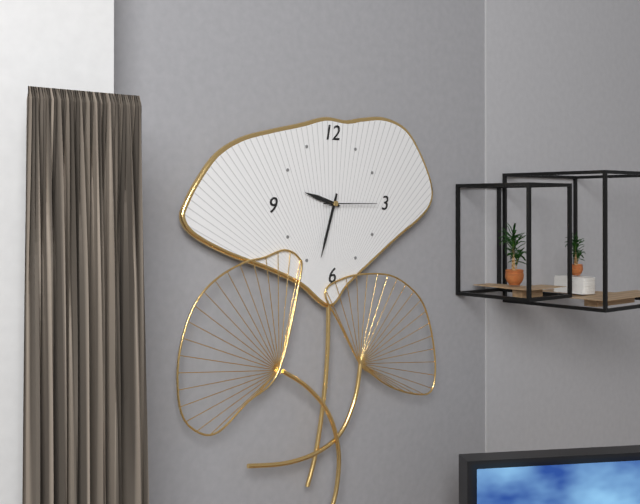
{"hour": 9, "minute": 33, "second": 15}
